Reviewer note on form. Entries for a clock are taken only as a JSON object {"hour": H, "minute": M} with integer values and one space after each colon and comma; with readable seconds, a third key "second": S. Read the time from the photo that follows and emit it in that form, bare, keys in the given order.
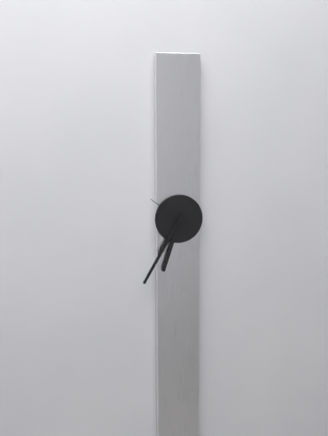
{"hour": 6, "minute": 35}
